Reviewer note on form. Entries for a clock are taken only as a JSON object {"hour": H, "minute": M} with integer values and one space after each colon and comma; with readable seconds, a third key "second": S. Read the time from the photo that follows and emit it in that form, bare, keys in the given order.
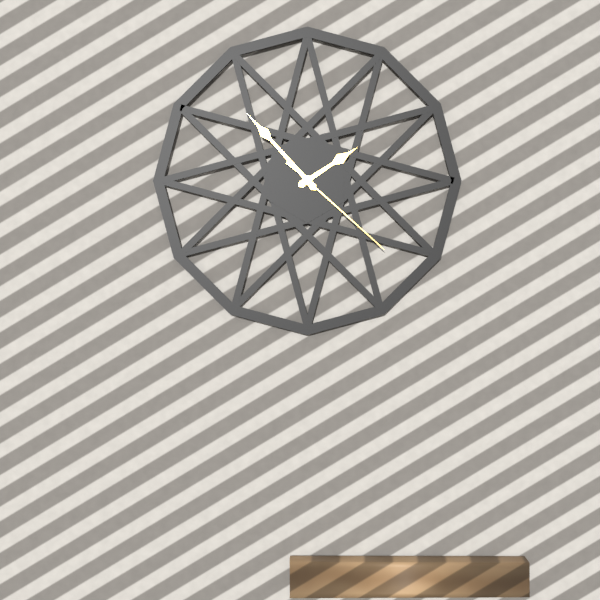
{"hour": 1, "minute": 53, "second": 22}
